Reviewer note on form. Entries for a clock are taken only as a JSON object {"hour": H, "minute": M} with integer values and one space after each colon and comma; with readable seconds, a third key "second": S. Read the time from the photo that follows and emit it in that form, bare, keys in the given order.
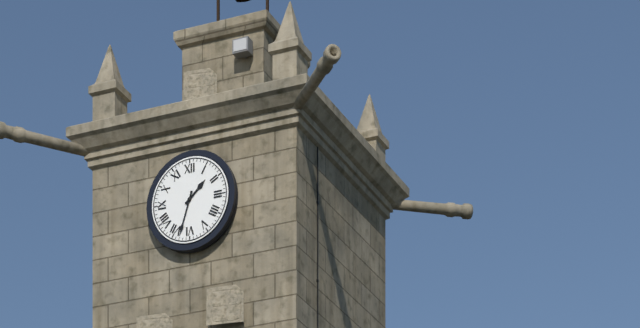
{"hour": 1, "minute": 33}
